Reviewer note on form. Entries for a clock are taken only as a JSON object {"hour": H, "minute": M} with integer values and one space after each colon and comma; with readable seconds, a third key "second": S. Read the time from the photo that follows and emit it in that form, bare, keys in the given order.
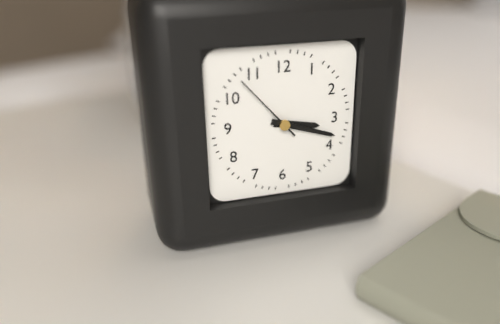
{"hour": 3, "minute": 18, "second": 53}
